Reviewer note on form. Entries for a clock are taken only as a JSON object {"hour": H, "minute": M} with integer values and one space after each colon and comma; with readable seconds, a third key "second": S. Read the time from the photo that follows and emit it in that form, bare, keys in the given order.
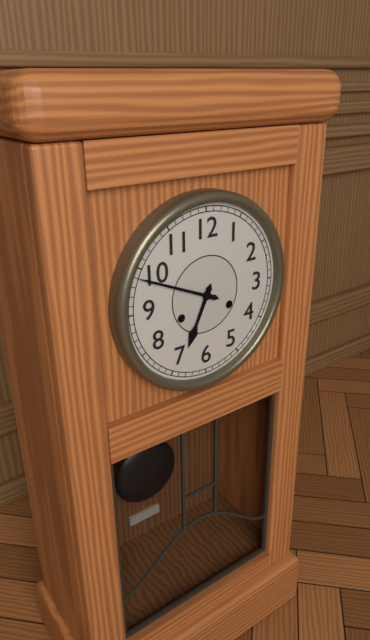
{"hour": 6, "minute": 49}
